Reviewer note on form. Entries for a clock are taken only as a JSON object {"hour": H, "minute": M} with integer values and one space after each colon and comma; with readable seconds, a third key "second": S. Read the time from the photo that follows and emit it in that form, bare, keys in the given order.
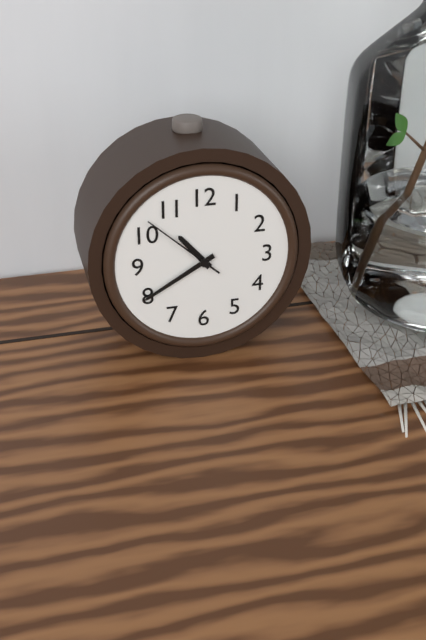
{"hour": 10, "minute": 40, "second": 52}
